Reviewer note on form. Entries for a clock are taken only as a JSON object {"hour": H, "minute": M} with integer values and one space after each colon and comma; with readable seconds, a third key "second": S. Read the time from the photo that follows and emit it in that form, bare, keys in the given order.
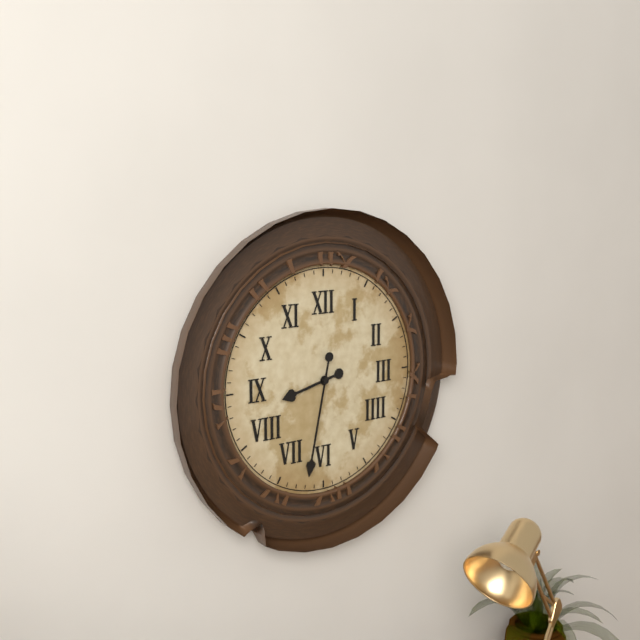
{"hour": 8, "minute": 32}
